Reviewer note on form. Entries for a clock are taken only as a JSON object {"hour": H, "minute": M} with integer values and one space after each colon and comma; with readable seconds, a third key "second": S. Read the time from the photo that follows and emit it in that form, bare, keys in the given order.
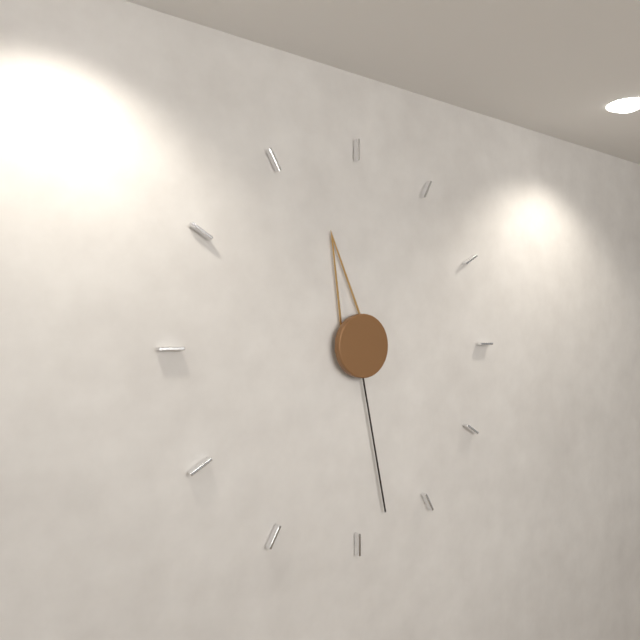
{"hour": 11, "minute": 28}
